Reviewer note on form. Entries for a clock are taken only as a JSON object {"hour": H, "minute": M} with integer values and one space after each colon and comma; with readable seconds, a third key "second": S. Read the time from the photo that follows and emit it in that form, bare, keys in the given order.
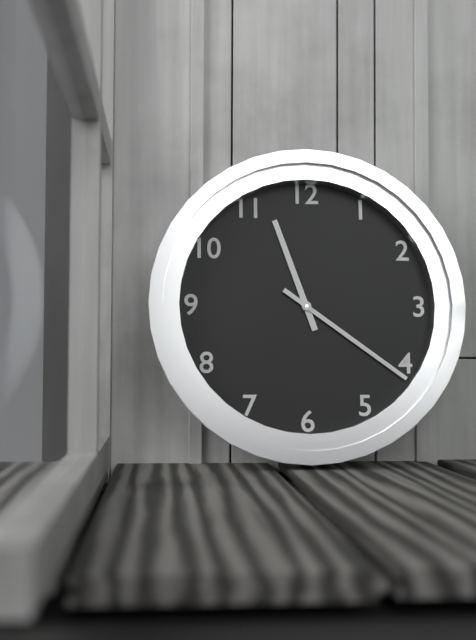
{"hour": 11, "minute": 21}
